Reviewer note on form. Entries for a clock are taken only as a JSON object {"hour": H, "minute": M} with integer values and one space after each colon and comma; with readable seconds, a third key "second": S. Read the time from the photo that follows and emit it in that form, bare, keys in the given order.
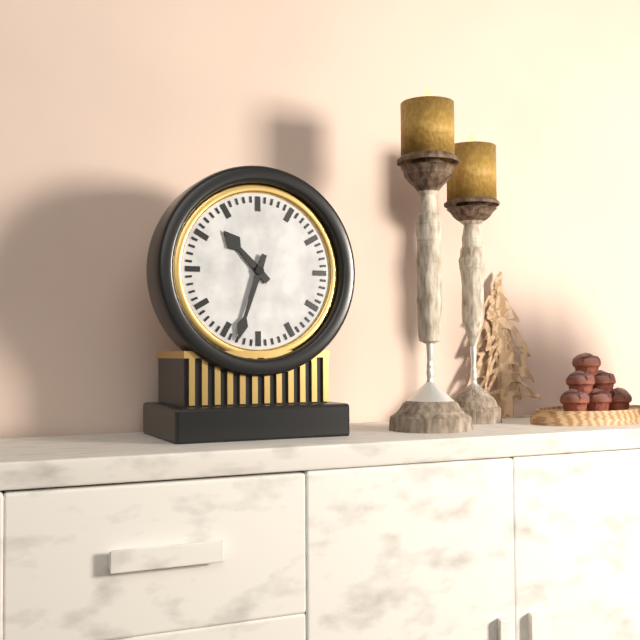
{"hour": 10, "minute": 33}
